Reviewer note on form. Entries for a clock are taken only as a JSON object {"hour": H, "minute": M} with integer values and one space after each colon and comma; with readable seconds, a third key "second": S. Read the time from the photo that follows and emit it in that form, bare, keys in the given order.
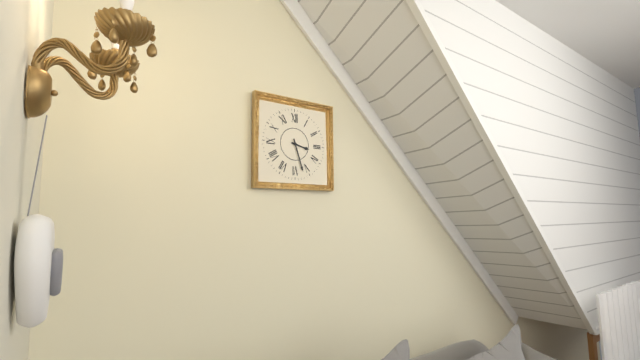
{"hour": 3, "minute": 27}
